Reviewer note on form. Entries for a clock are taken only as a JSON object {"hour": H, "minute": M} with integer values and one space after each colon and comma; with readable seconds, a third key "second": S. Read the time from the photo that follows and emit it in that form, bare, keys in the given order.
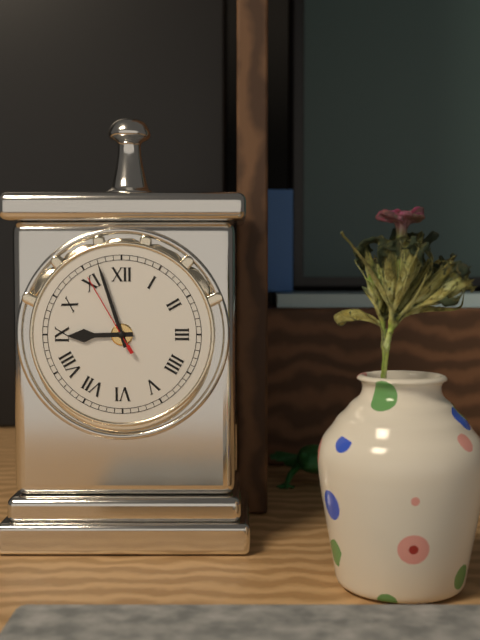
{"hour": 8, "minute": 57, "second": 55}
